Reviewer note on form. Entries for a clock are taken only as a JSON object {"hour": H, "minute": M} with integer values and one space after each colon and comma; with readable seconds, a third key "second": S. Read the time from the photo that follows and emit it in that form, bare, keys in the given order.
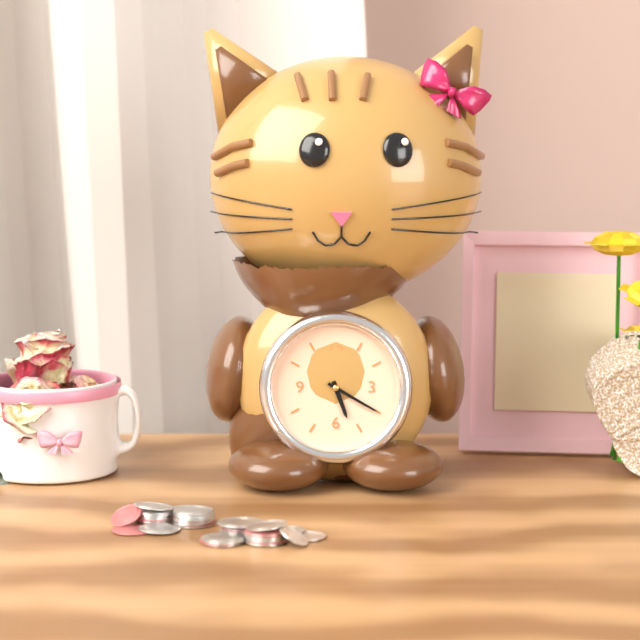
{"hour": 5, "minute": 20}
